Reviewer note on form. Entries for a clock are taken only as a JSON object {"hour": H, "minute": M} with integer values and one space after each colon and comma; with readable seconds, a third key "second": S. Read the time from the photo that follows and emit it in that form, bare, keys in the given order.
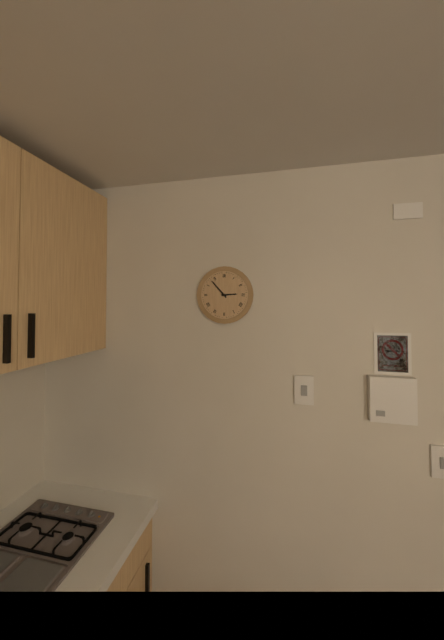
{"hour": 2, "minute": 53}
